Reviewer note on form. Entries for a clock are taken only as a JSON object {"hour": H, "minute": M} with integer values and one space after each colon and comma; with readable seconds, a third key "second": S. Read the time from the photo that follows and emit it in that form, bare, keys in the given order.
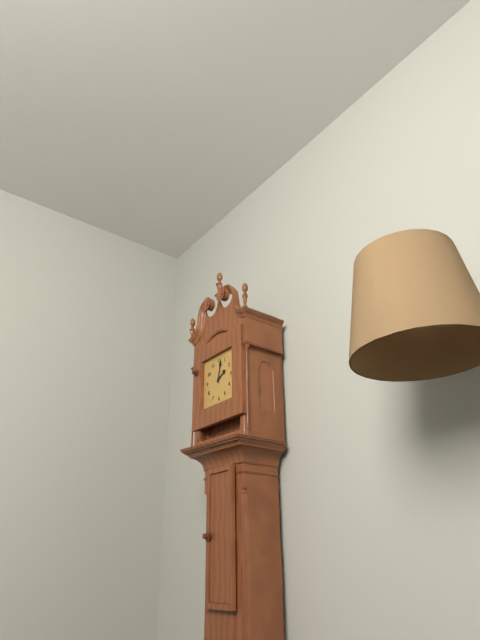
{"hour": 2, "minute": 2}
